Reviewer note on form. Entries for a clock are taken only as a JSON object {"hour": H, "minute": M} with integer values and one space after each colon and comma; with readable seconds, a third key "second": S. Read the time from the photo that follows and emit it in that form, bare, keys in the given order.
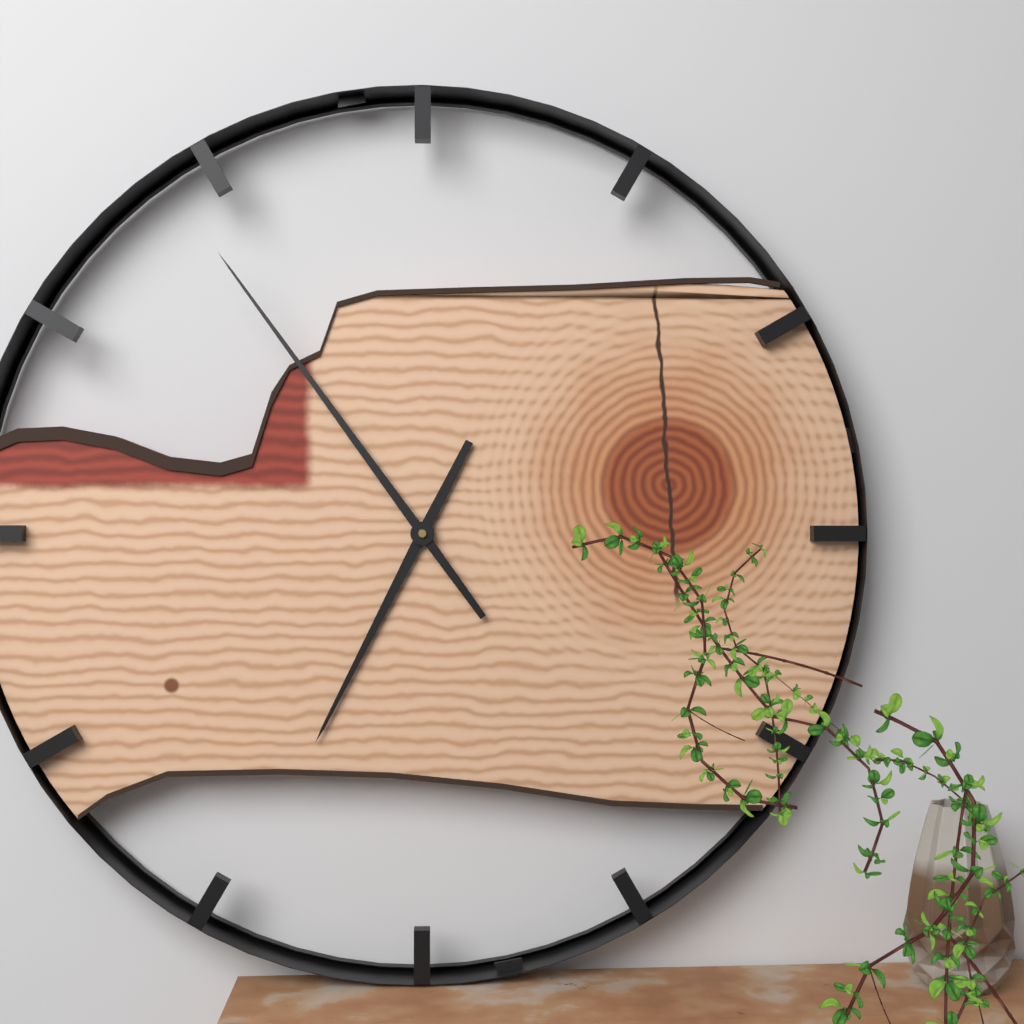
{"hour": 6, "minute": 54}
